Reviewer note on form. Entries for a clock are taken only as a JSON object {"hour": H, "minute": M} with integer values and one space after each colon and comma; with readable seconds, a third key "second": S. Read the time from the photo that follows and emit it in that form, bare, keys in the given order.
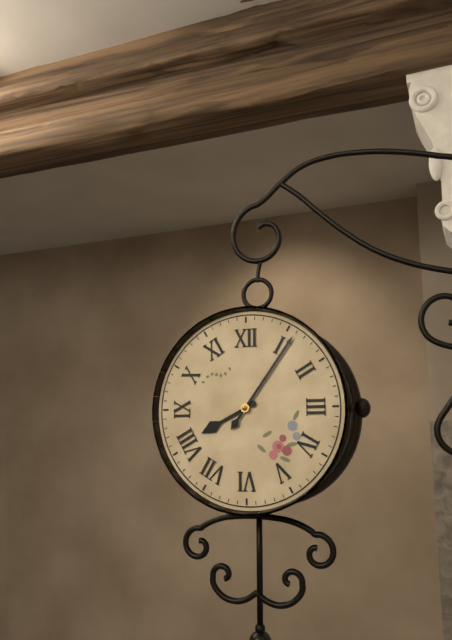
{"hour": 8, "minute": 6}
